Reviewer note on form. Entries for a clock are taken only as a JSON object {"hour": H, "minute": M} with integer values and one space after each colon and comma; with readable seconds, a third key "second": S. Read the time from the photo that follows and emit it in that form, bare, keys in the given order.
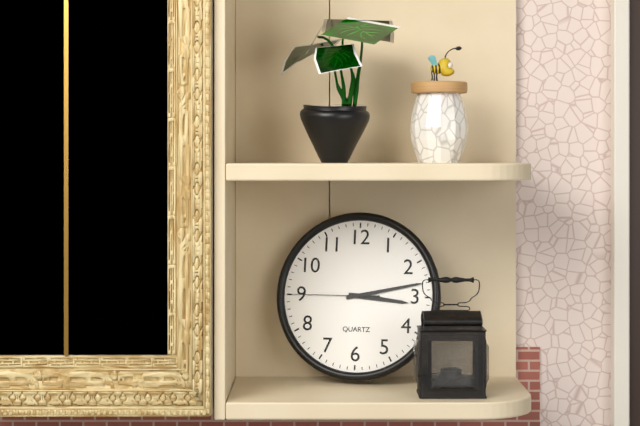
{"hour": 3, "minute": 13, "second": 45}
